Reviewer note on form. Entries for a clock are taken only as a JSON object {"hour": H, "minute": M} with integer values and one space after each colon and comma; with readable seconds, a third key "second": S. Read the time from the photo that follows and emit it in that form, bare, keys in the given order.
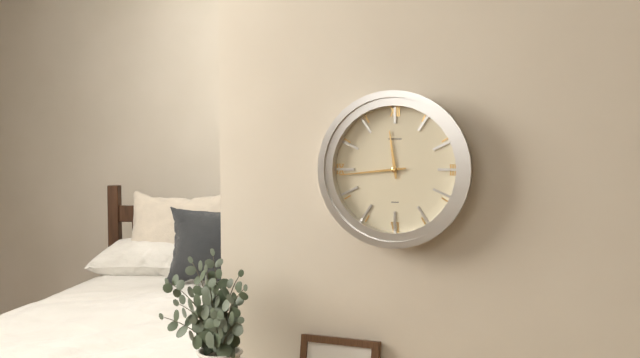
{"hour": 11, "minute": 44}
